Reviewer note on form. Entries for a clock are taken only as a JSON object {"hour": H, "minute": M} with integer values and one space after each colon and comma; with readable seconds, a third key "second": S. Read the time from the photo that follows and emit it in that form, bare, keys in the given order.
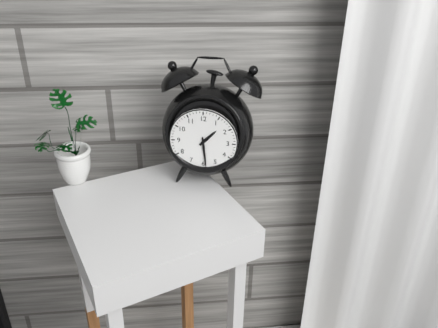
{"hour": 1, "minute": 29}
